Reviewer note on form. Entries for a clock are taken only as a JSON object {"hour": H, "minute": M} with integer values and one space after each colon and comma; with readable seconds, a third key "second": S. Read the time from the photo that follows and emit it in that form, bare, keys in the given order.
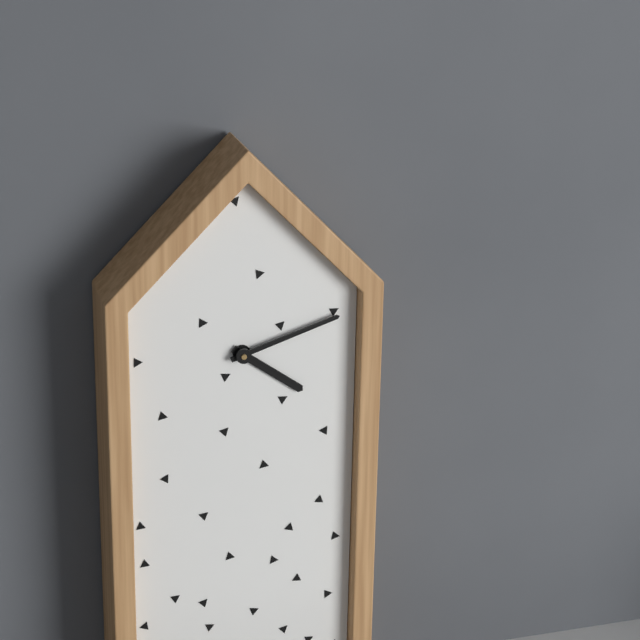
{"hour": 4, "minute": 12}
